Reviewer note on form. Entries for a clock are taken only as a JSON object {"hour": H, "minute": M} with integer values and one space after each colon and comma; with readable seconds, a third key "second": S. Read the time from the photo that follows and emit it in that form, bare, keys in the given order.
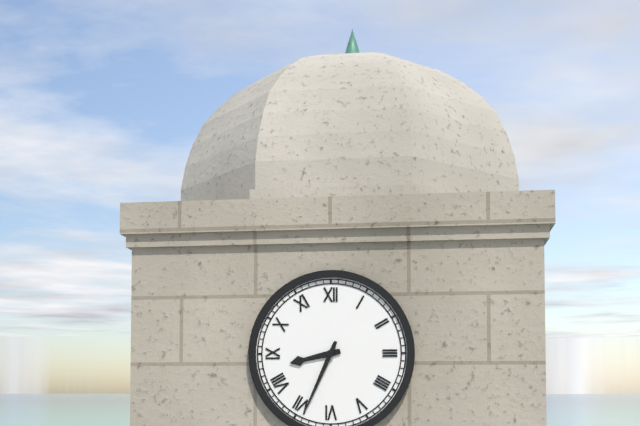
{"hour": 8, "minute": 34}
